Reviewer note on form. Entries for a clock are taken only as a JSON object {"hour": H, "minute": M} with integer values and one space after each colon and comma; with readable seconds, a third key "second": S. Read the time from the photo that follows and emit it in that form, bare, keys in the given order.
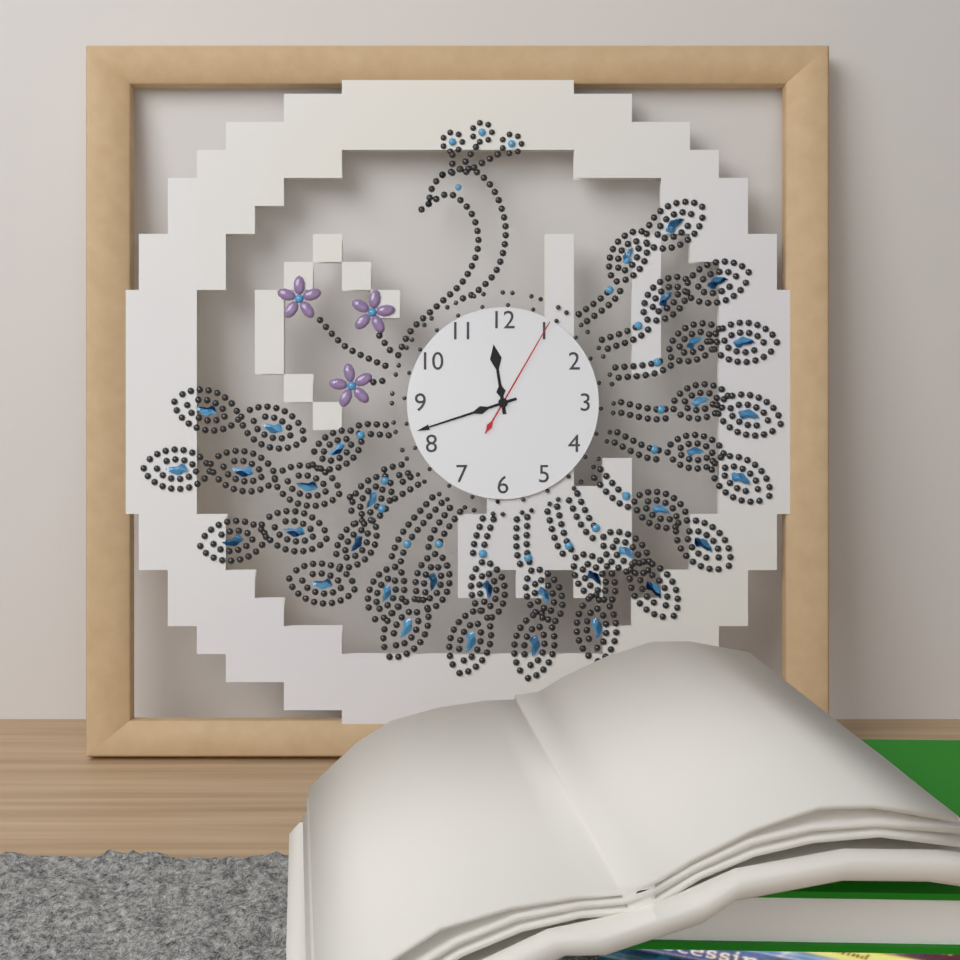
{"hour": 11, "minute": 42, "second": 5}
